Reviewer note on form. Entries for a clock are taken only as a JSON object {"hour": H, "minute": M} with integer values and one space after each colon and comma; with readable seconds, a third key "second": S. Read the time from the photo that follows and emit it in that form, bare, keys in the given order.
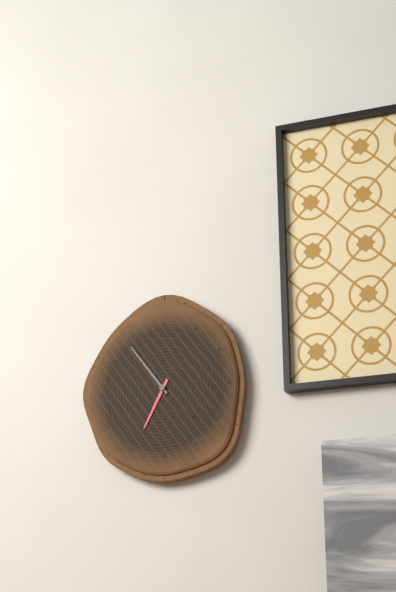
{"hour": 6, "minute": 54}
